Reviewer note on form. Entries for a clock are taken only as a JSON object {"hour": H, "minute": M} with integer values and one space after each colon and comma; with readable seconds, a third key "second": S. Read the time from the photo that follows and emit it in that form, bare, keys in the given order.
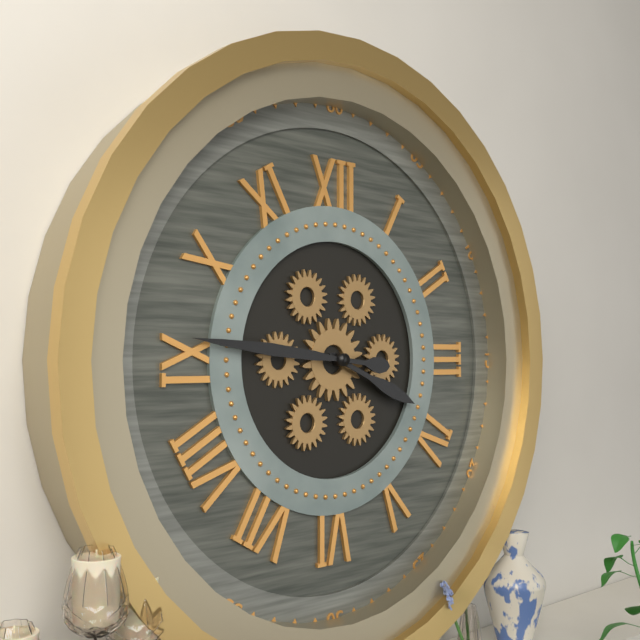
{"hour": 3, "minute": 46}
